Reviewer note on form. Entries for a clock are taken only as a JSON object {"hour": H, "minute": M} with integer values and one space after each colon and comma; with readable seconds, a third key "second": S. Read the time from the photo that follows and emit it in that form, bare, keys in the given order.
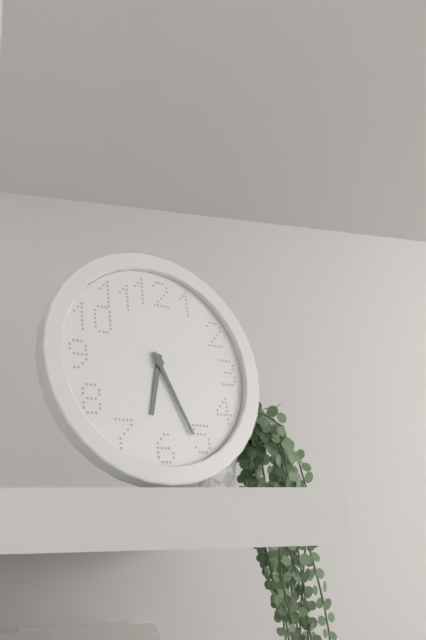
{"hour": 6, "minute": 26}
